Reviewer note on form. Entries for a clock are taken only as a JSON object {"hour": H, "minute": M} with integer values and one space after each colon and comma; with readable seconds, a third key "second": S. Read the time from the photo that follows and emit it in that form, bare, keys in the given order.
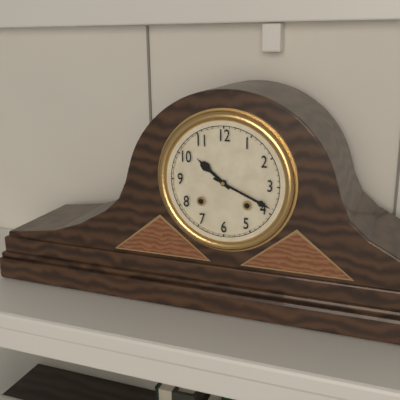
{"hour": 10, "minute": 19}
